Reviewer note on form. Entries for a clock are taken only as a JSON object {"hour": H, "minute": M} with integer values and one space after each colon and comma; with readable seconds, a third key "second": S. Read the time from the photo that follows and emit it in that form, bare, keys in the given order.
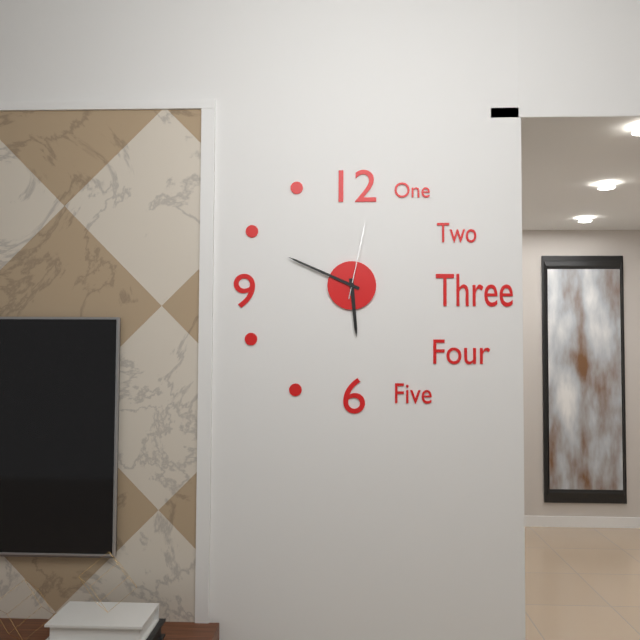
{"hour": 5, "minute": 49, "second": 2}
